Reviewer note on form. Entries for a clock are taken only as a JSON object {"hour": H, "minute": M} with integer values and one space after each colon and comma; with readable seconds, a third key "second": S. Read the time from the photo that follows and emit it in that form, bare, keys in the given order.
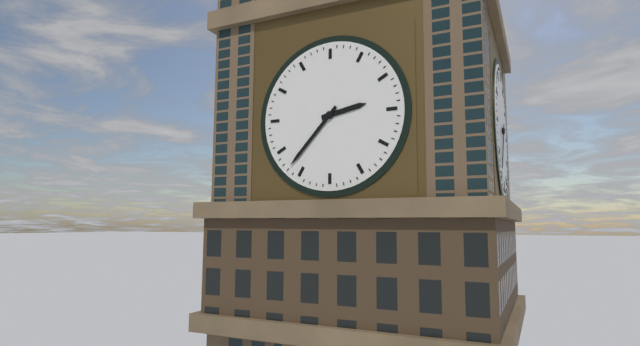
{"hour": 2, "minute": 37}
